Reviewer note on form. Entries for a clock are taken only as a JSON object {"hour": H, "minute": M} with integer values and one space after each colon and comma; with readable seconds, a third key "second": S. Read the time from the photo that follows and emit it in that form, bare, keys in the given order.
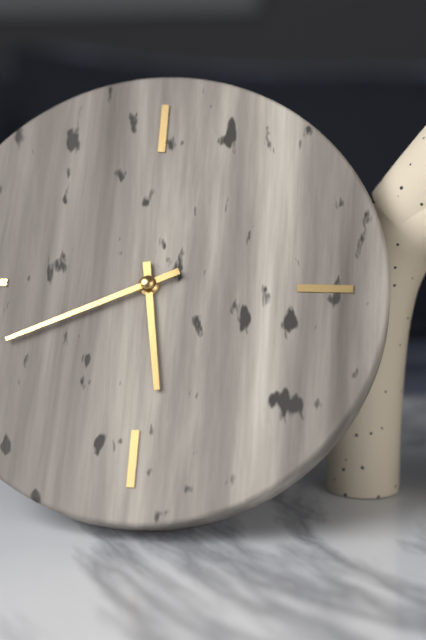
{"hour": 5, "minute": 41}
